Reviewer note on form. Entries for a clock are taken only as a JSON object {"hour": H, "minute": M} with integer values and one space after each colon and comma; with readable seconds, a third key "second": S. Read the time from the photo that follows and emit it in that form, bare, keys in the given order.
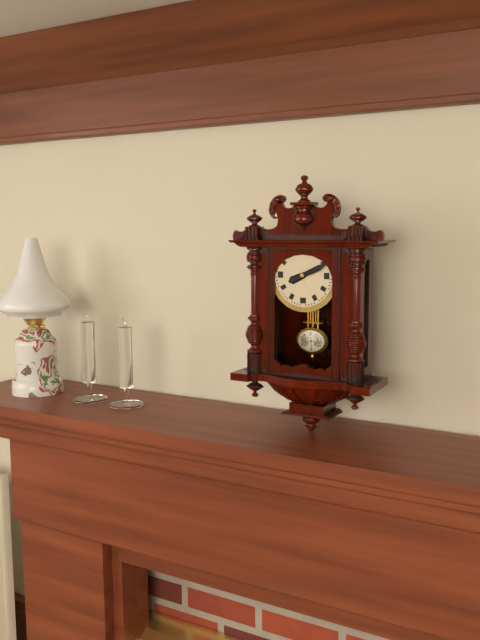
{"hour": 8, "minute": 11}
